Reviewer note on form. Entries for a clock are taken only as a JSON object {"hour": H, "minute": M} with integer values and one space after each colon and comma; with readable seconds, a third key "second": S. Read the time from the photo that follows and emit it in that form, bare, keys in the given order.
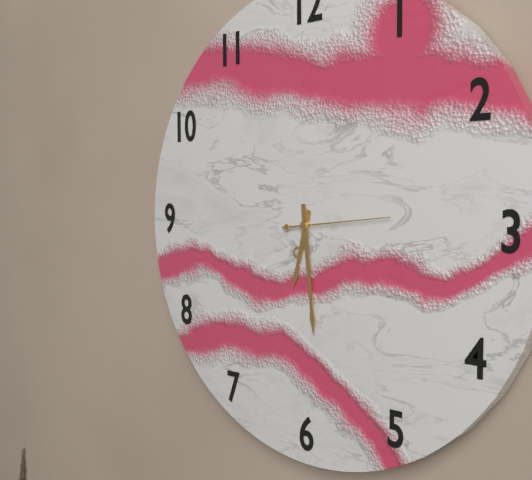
{"hour": 6, "minute": 29, "second": 14}
